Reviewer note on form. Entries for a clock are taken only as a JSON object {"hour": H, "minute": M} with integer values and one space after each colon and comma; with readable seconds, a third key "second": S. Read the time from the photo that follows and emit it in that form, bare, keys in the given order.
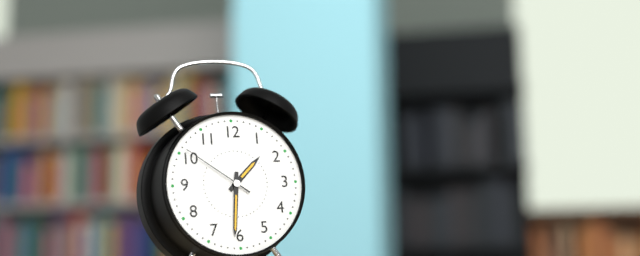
{"hour": 1, "minute": 31, "second": 51}
